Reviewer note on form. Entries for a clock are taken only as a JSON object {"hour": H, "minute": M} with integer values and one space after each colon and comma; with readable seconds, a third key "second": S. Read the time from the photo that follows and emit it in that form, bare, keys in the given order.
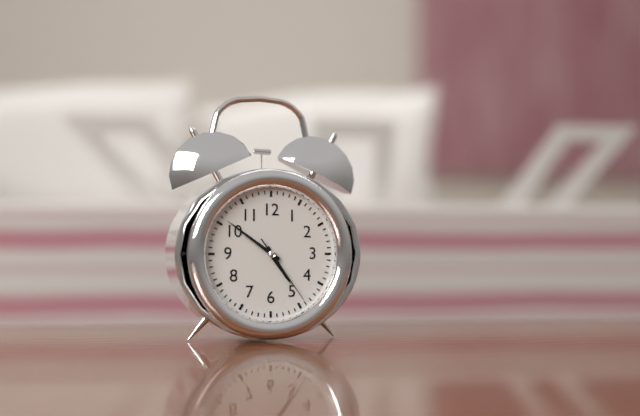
{"hour": 4, "minute": 51, "second": 24}
